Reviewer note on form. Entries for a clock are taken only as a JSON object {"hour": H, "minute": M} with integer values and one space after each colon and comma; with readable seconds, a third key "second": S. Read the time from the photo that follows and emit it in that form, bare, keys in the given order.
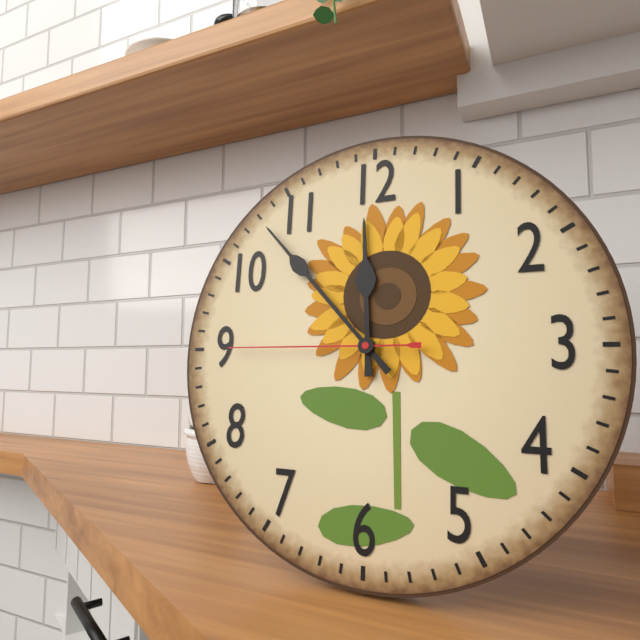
{"hour": 11, "minute": 53, "second": 45}
